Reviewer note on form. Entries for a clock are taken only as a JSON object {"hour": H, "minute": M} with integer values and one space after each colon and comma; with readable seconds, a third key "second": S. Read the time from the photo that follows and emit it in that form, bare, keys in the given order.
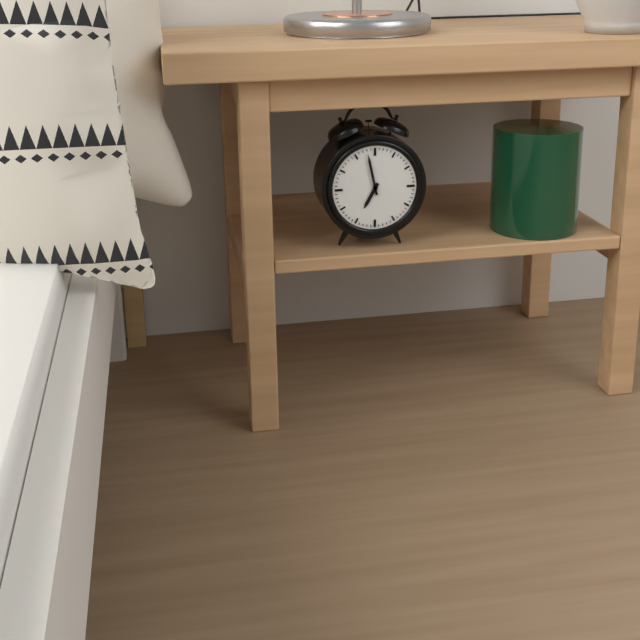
{"hour": 6, "minute": 58}
